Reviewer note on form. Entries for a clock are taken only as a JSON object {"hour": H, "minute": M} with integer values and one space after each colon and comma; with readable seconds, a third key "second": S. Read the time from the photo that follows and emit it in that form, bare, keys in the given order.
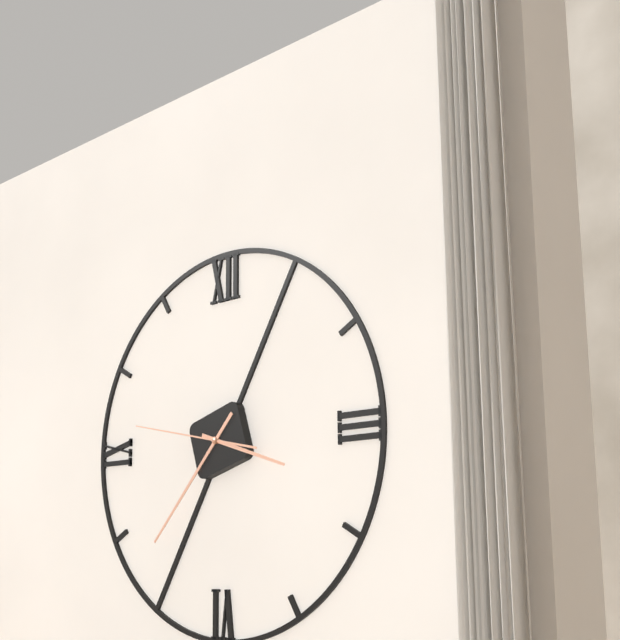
{"hour": 3, "minute": 37, "second": 47}
